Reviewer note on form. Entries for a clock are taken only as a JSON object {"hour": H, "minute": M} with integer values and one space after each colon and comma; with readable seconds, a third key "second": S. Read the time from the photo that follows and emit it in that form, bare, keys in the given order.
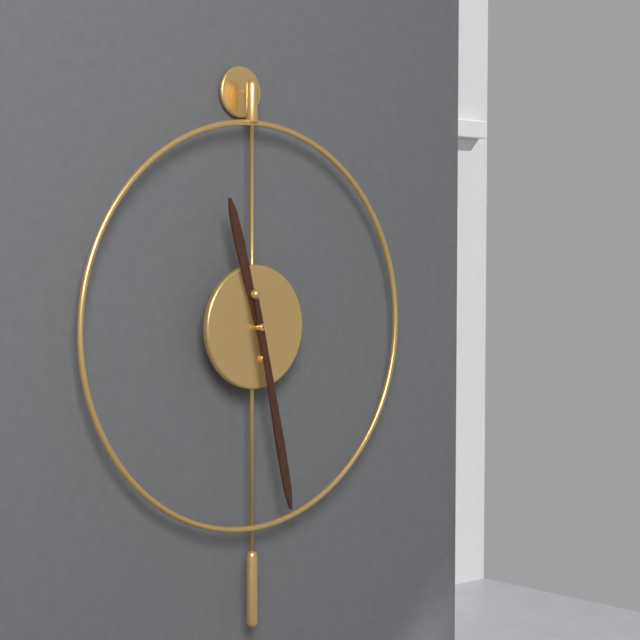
{"hour": 11, "minute": 28}
